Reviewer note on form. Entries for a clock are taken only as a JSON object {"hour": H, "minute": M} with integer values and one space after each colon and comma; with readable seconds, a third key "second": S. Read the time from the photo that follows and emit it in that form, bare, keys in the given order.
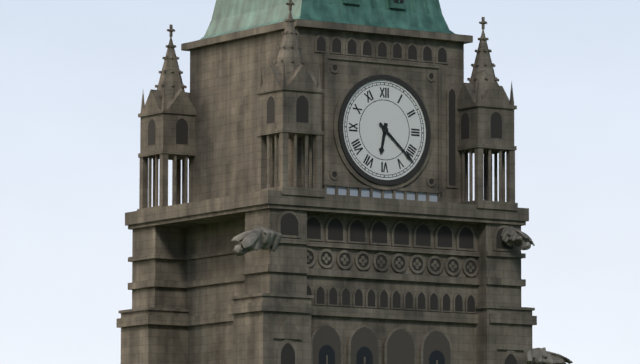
{"hour": 6, "minute": 22}
